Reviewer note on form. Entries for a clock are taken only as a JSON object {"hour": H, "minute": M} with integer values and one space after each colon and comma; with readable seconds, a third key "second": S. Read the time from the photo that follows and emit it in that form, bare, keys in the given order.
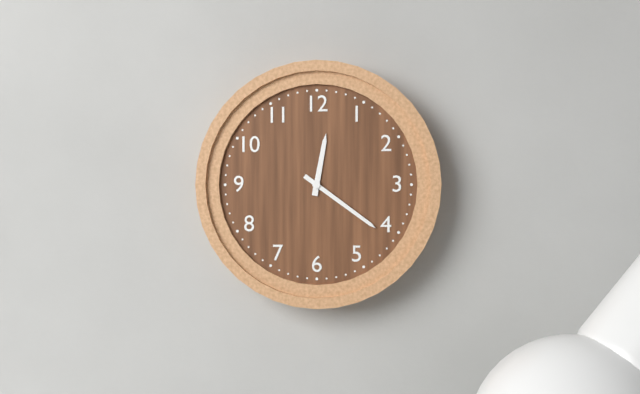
{"hour": 12, "minute": 21}
